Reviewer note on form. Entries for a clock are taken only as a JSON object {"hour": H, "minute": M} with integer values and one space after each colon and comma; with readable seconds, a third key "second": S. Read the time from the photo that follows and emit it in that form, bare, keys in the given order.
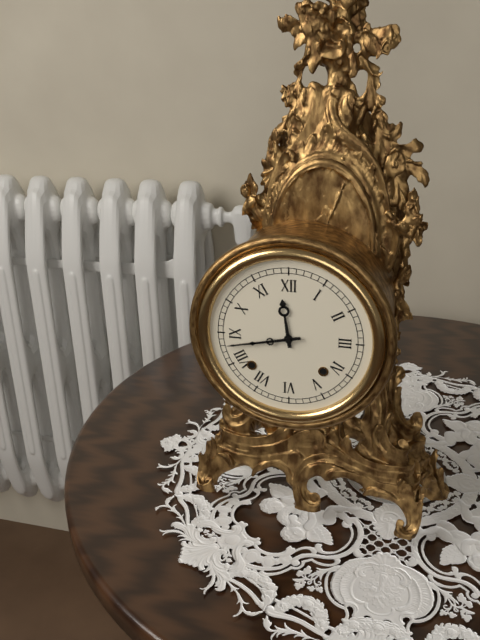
{"hour": 11, "minute": 43}
